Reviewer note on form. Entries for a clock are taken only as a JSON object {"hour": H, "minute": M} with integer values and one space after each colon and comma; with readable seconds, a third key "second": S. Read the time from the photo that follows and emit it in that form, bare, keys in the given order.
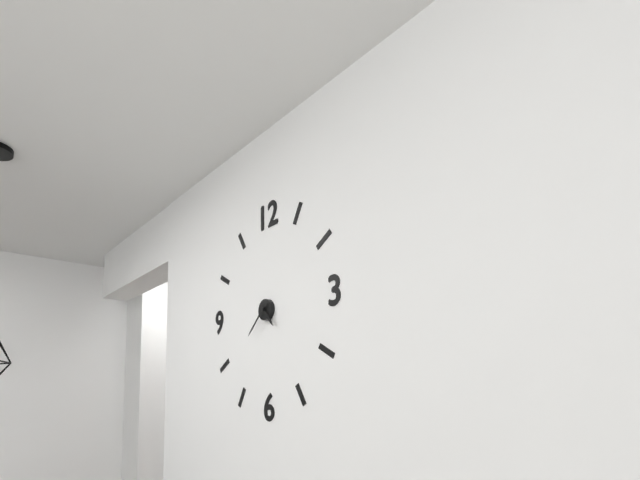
{"hour": 4, "minute": 38}
